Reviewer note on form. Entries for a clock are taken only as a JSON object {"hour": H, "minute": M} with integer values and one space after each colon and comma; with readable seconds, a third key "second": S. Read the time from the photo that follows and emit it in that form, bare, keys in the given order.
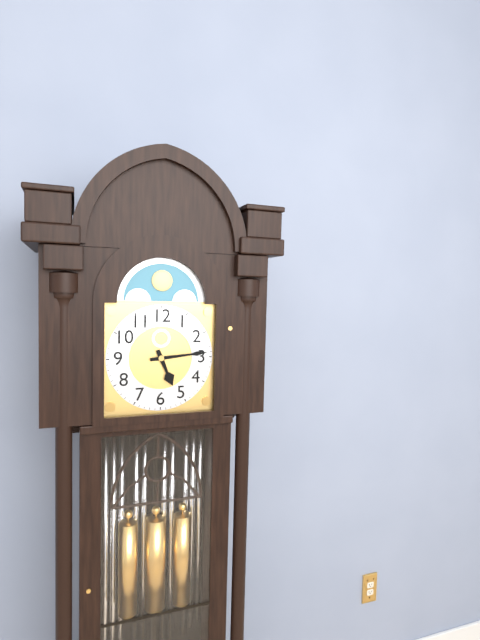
{"hour": 5, "minute": 14}
